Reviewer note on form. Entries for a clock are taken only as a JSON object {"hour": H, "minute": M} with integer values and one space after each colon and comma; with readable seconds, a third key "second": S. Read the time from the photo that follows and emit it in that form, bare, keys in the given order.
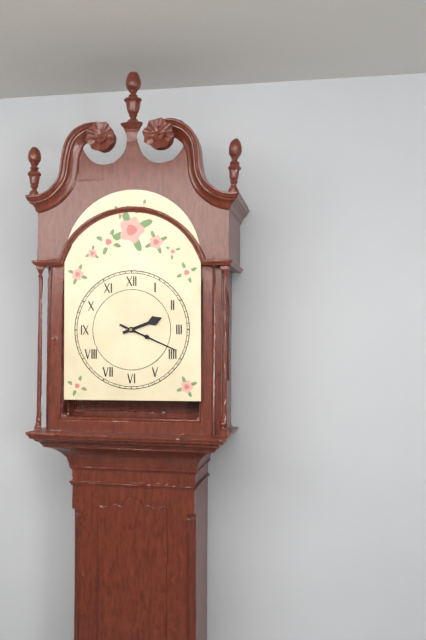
{"hour": 2, "minute": 19}
